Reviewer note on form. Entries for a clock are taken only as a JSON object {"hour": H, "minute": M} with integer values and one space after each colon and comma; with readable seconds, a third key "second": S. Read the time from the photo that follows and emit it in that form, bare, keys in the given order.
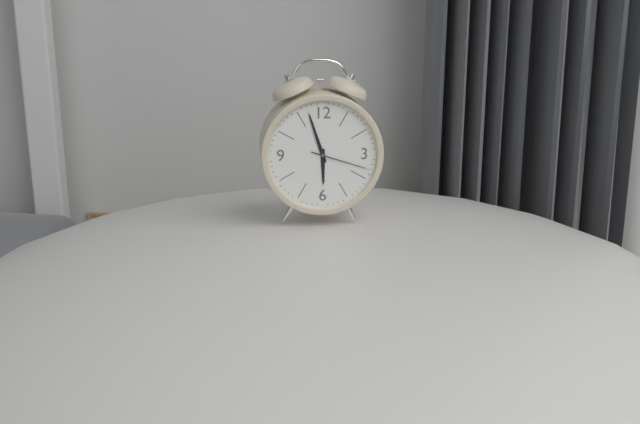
{"hour": 5, "minute": 57, "second": 18}
